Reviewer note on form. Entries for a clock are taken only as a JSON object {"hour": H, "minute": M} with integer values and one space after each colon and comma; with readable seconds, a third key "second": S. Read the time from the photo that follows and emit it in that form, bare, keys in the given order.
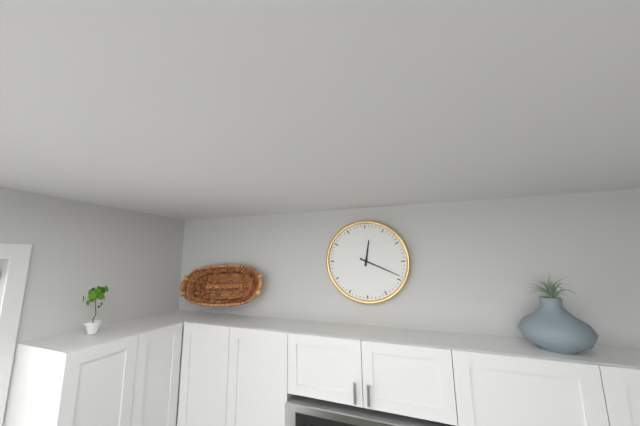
{"hour": 12, "minute": 19}
